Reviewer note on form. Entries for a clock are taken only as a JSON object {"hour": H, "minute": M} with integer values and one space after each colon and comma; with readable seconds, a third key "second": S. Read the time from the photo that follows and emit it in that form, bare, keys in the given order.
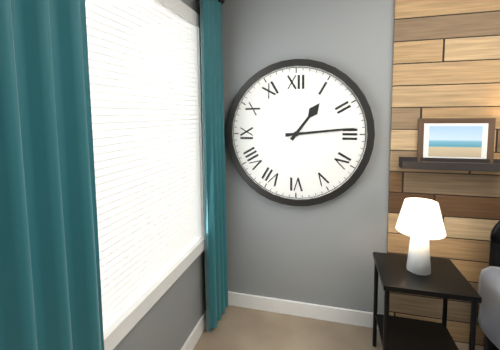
{"hour": 1, "minute": 14}
